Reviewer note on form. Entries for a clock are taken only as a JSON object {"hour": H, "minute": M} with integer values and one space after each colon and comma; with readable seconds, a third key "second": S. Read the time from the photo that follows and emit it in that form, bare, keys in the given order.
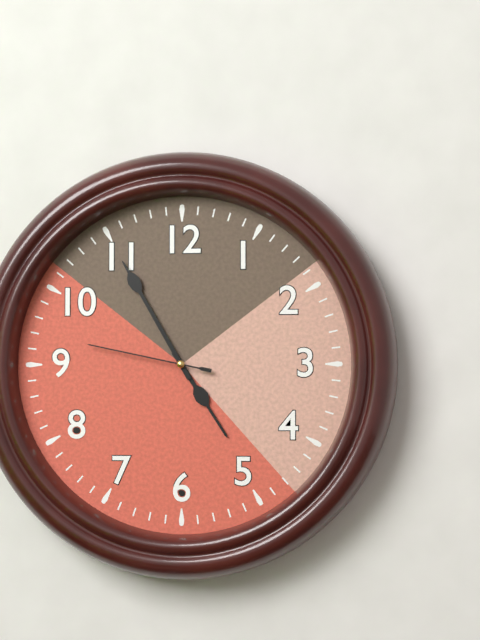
{"hour": 4, "minute": 55, "second": 47}
